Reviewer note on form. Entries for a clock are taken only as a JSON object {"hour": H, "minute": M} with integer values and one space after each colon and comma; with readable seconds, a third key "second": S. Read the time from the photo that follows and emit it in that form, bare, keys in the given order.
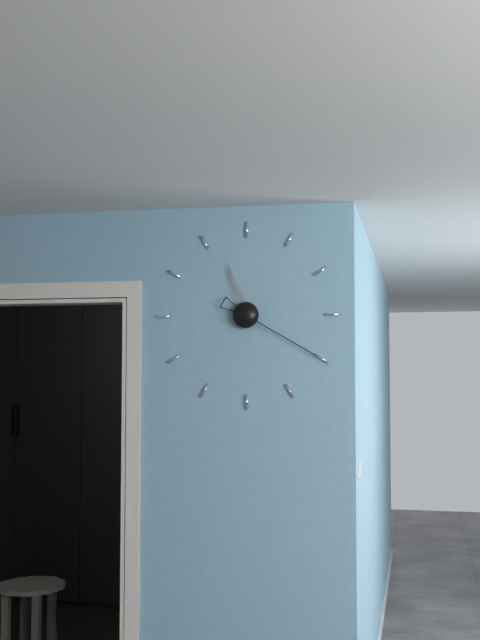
{"hour": 11, "minute": 20}
